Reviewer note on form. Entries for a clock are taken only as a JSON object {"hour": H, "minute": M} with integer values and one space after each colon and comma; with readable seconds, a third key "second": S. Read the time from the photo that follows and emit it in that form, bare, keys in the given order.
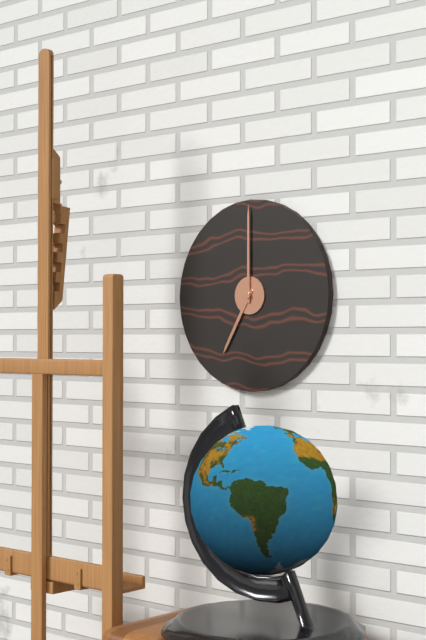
{"hour": 7, "minute": 0}
